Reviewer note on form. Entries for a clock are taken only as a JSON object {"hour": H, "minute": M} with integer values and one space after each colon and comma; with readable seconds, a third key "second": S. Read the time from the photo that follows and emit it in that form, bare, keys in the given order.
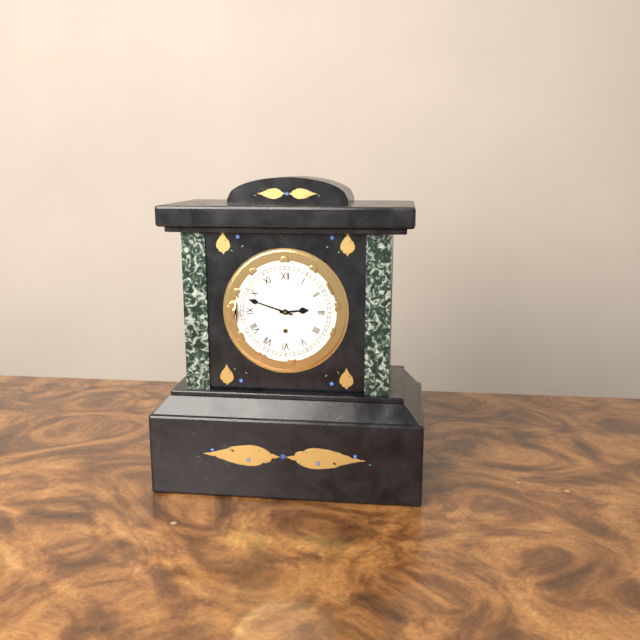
{"hour": 2, "minute": 48}
